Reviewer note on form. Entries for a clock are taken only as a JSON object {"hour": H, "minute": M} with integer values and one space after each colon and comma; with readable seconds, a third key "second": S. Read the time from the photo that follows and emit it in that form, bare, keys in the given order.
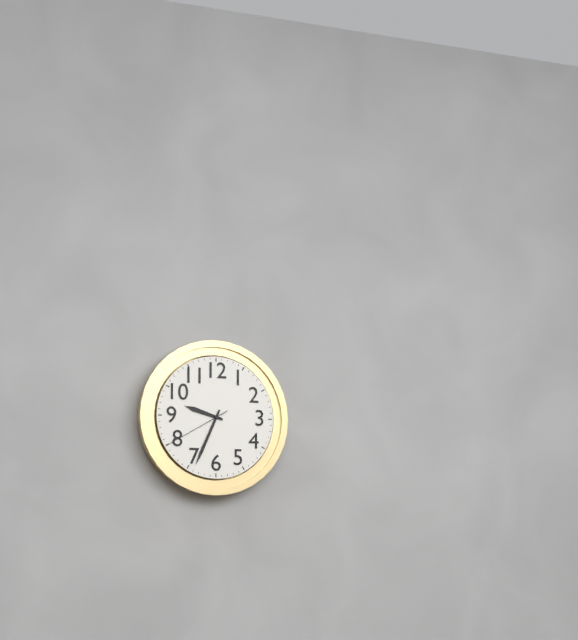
{"hour": 9, "minute": 34, "second": 40}
